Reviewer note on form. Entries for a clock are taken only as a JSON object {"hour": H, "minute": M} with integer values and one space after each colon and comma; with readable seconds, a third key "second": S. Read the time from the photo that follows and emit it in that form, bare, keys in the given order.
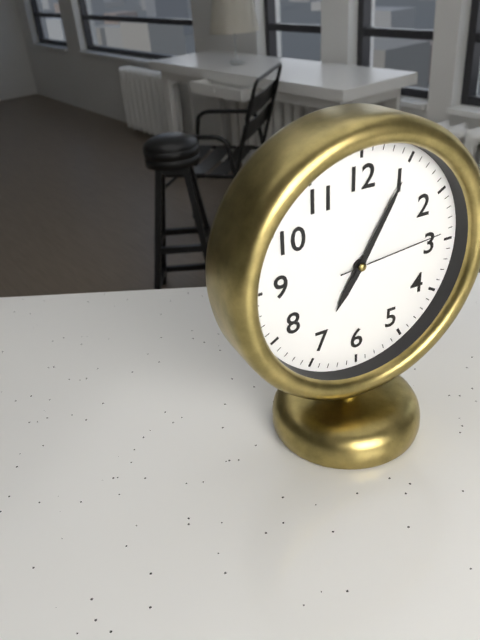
{"hour": 7, "minute": 5, "second": 14}
